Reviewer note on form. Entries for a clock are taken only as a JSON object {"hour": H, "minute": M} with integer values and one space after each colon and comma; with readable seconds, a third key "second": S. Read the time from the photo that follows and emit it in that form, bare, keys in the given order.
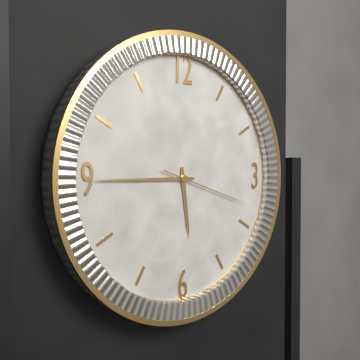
{"hour": 5, "minute": 45, "second": 18}
